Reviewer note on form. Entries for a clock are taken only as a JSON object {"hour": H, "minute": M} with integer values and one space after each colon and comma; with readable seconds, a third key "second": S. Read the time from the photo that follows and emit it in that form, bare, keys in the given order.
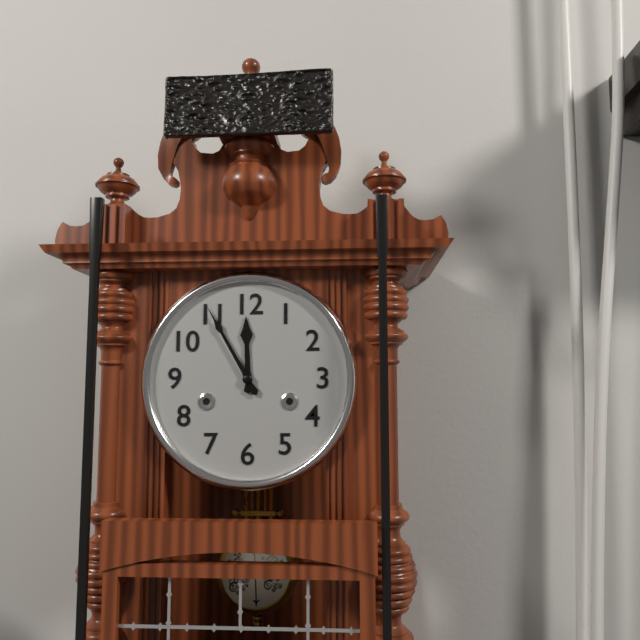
{"hour": 11, "minute": 55}
